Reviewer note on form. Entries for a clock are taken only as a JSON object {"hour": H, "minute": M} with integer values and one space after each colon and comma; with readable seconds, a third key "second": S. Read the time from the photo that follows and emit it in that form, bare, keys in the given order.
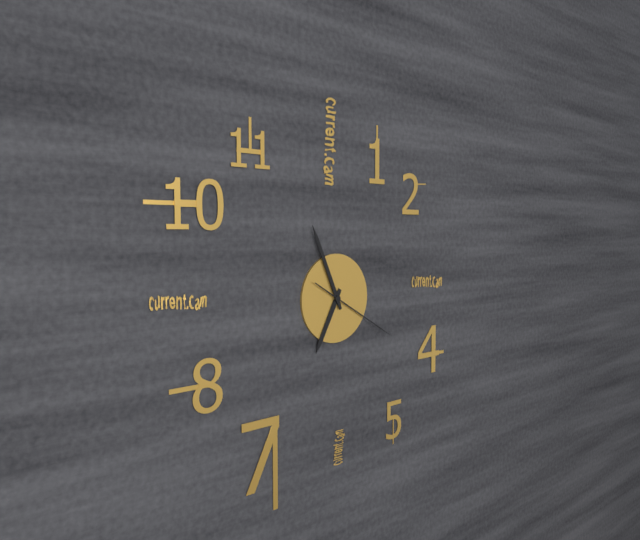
{"hour": 6, "minute": 56, "second": 20}
